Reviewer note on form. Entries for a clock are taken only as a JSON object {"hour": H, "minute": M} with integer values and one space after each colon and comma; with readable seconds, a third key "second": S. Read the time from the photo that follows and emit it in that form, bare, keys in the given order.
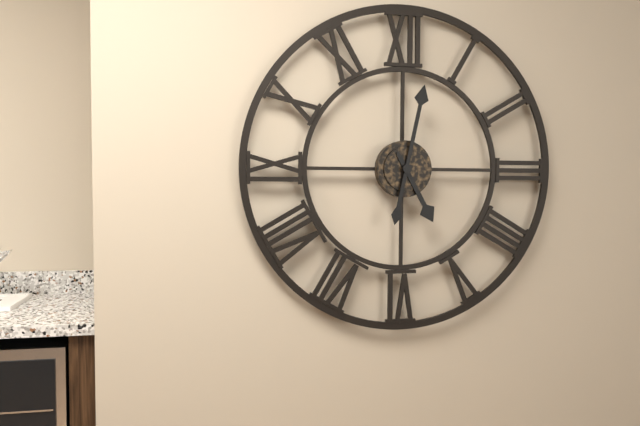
{"hour": 5, "minute": 2}
